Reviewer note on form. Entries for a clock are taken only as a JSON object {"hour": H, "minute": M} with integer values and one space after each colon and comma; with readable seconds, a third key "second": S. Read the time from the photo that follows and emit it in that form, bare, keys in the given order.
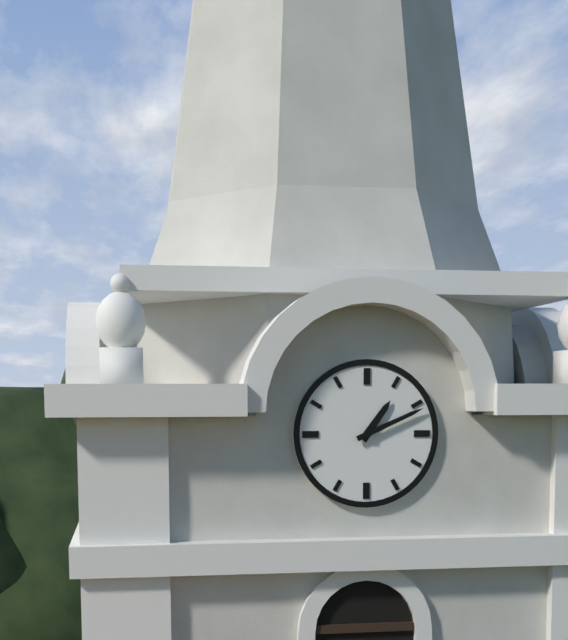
{"hour": 1, "minute": 11}
